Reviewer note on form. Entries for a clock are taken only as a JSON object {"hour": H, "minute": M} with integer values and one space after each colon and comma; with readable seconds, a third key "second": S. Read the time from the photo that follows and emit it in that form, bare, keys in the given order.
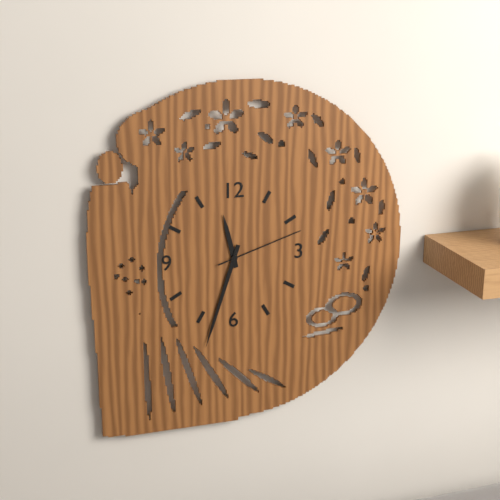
{"hour": 11, "minute": 33, "second": 12}
